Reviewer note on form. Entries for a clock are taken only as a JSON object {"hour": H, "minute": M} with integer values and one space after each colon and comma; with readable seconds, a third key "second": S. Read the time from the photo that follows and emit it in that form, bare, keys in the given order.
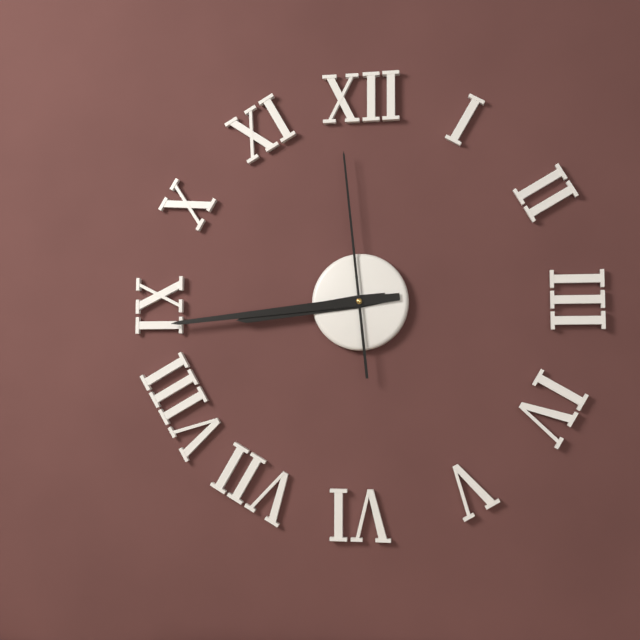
{"hour": 8, "minute": 44, "second": 59}
